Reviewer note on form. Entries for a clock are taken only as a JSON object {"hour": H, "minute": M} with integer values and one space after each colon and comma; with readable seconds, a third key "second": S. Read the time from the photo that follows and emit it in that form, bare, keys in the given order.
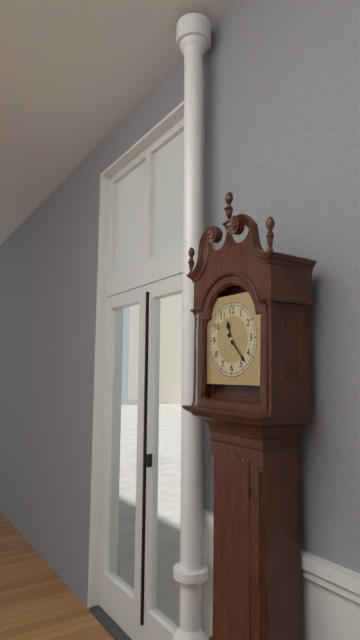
{"hour": 11, "minute": 23}
